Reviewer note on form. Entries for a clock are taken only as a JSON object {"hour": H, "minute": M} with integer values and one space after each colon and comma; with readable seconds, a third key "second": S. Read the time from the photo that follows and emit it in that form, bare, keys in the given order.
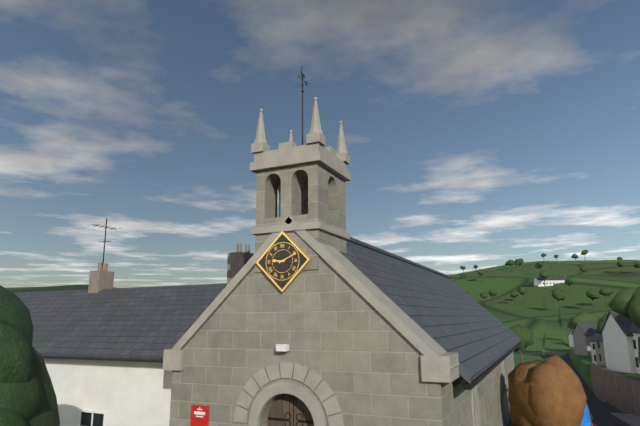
{"hour": 9, "minute": 11}
